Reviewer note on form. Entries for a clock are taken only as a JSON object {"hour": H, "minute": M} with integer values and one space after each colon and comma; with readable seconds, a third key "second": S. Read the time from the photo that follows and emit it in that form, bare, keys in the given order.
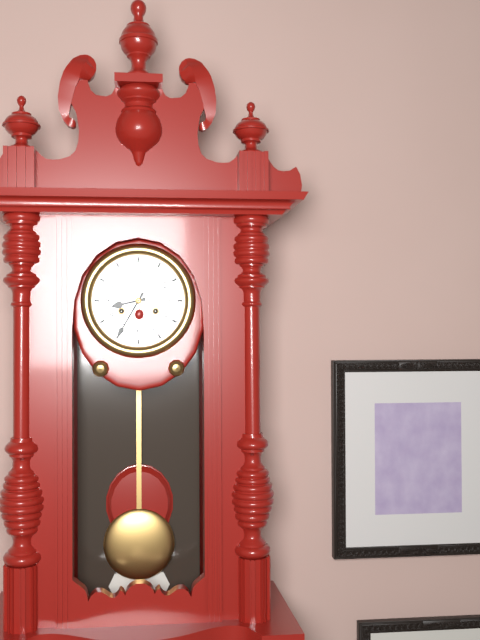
{"hour": 8, "minute": 35}
